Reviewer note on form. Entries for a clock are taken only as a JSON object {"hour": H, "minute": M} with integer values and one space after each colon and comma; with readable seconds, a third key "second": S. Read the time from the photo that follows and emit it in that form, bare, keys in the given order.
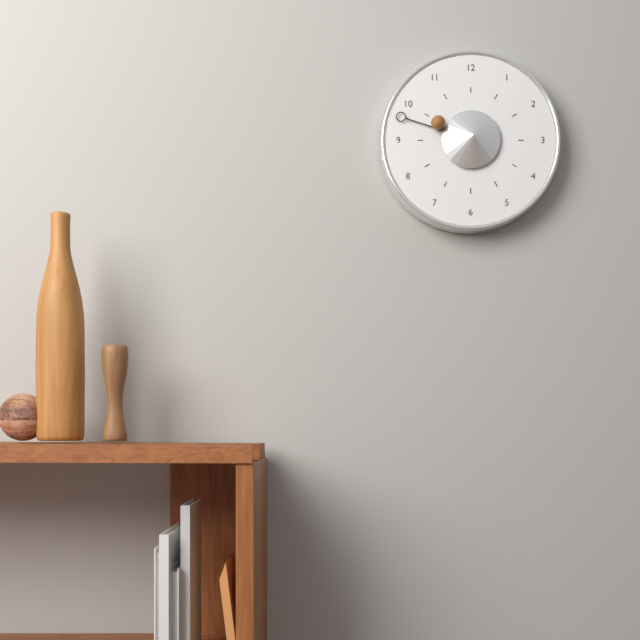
{"hour": 9, "minute": 48}
